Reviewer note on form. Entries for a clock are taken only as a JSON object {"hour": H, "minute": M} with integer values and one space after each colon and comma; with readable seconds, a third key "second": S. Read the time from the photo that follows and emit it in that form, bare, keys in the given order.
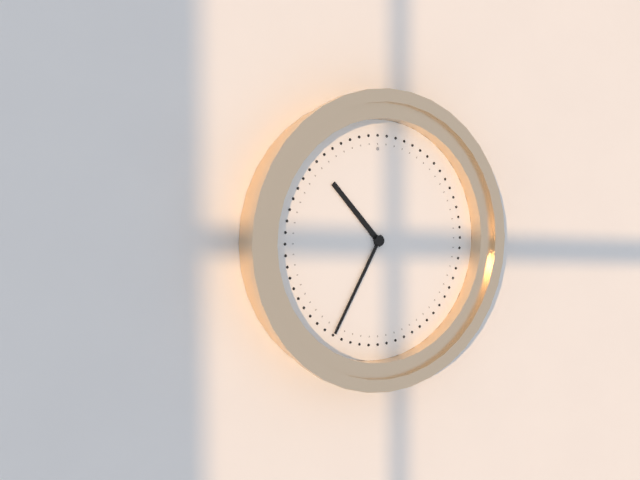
{"hour": 10, "minute": 35}
